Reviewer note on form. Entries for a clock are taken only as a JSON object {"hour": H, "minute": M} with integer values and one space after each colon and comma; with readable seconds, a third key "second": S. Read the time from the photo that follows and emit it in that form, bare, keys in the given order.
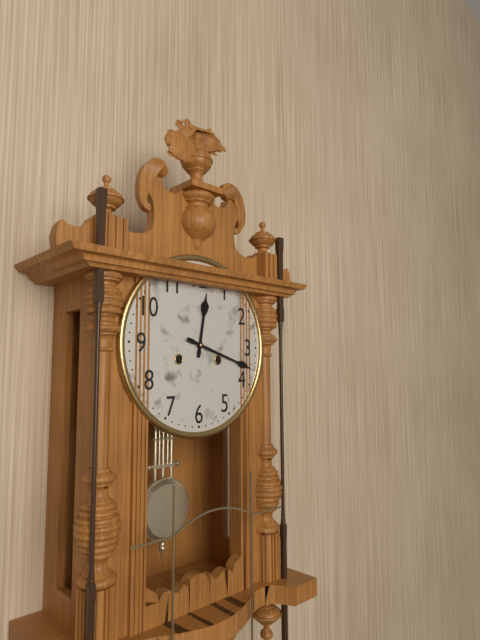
{"hour": 12, "minute": 18}
